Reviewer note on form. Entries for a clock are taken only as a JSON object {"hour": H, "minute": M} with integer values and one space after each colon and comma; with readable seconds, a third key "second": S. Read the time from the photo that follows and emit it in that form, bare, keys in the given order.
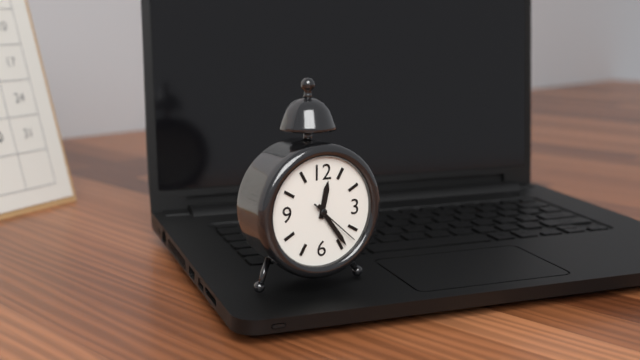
{"hour": 12, "minute": 24, "second": 22}
